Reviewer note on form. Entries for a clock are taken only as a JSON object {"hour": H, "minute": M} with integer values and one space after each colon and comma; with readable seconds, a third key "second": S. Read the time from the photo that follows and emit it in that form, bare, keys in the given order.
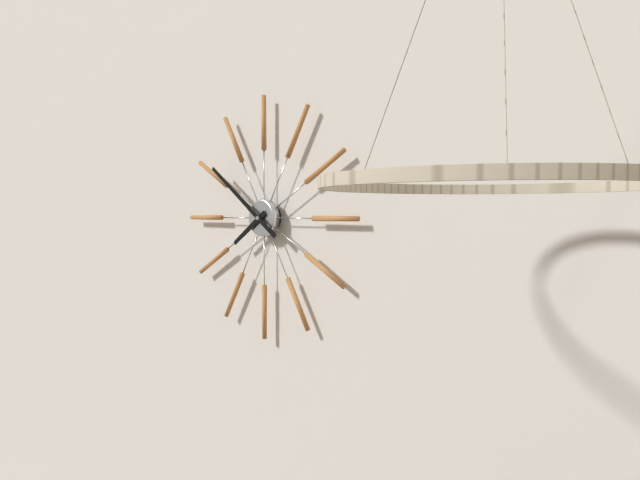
{"hour": 7, "minute": 51}
